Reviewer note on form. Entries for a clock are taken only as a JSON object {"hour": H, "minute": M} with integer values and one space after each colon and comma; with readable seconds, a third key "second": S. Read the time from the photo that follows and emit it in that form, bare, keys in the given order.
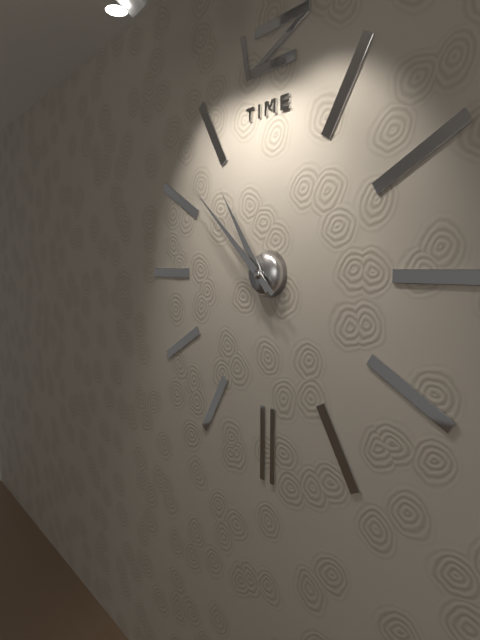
{"hour": 10, "minute": 52}
